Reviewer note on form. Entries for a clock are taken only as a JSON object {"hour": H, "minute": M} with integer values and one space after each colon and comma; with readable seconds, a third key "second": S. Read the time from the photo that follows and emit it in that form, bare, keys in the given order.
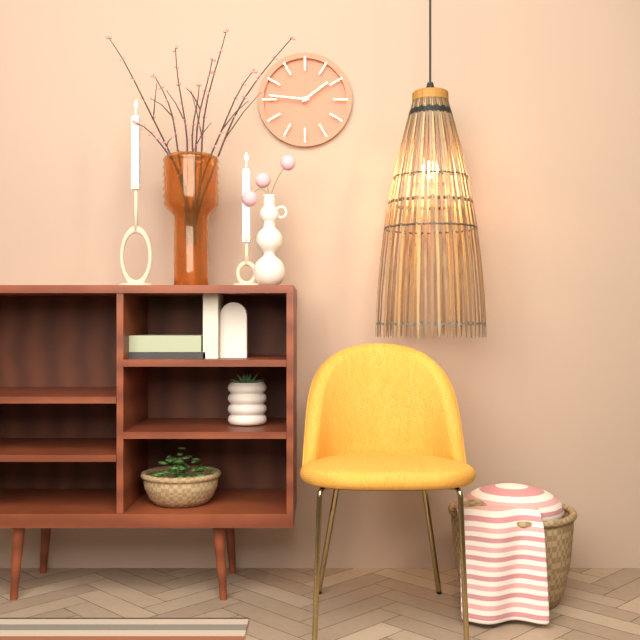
{"hour": 1, "minute": 46}
